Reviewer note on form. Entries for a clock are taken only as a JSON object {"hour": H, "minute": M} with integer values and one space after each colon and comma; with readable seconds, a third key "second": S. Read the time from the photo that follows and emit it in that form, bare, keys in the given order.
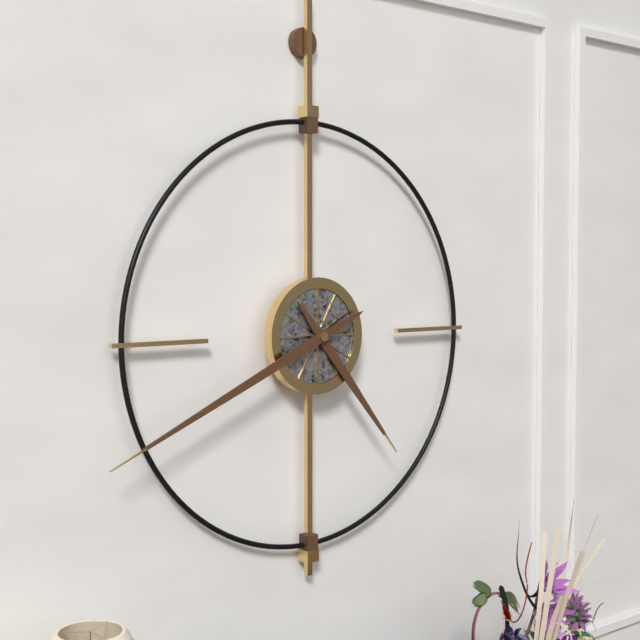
{"hour": 4, "minute": 41}
